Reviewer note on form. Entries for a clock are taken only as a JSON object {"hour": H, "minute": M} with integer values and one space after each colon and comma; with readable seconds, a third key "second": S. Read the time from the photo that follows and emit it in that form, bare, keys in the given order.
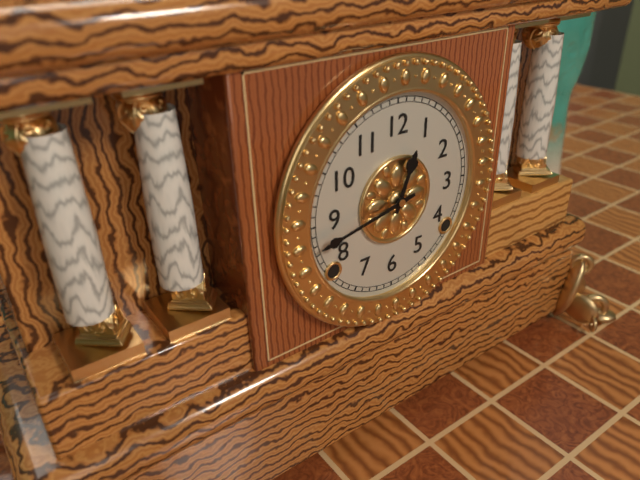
{"hour": 12, "minute": 43}
